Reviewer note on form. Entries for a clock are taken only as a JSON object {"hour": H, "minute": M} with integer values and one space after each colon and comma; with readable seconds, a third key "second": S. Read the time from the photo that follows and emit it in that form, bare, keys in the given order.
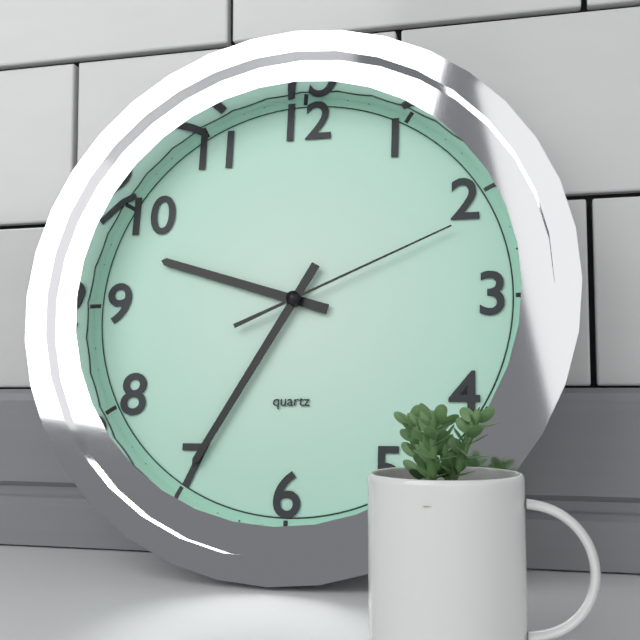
{"hour": 9, "minute": 35, "second": 11}
